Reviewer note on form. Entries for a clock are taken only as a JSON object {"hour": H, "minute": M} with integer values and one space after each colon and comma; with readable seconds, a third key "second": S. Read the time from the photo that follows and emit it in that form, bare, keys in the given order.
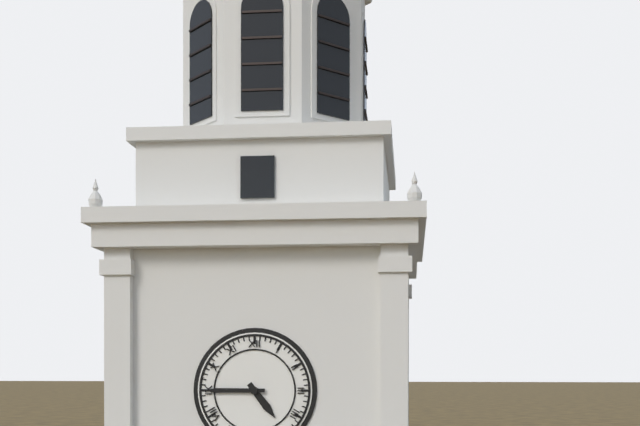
{"hour": 4, "minute": 45}
